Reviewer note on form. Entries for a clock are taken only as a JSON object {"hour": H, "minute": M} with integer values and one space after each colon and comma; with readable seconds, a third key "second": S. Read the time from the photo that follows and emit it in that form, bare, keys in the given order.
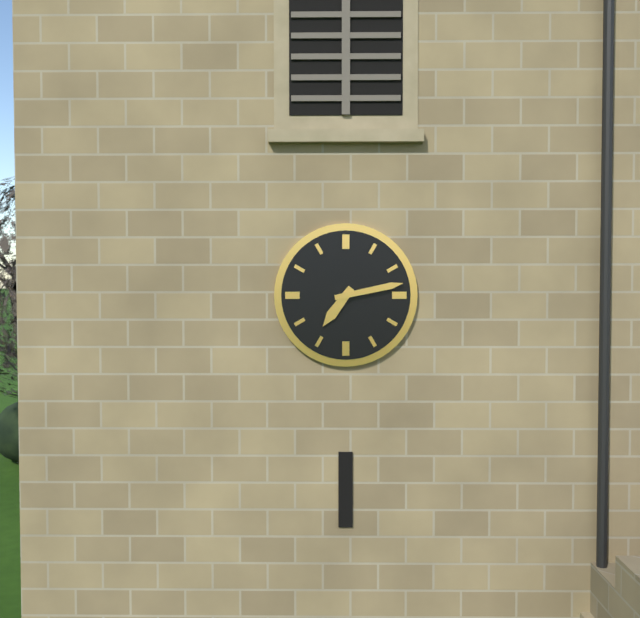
{"hour": 7, "minute": 13}
